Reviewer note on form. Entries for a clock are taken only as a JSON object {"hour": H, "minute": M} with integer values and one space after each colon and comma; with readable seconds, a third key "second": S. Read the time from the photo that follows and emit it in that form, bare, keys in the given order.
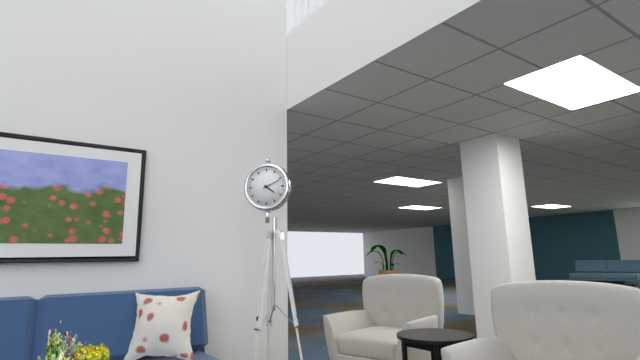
{"hour": 4, "minute": 11}
